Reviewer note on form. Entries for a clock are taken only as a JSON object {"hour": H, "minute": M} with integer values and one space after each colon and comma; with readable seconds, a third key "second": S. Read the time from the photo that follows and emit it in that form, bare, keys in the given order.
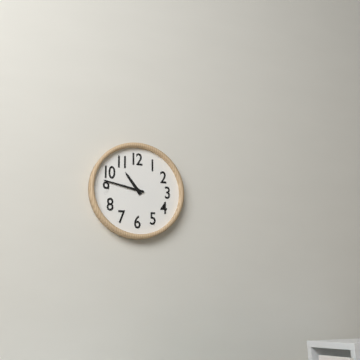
{"hour": 10, "minute": 47}
